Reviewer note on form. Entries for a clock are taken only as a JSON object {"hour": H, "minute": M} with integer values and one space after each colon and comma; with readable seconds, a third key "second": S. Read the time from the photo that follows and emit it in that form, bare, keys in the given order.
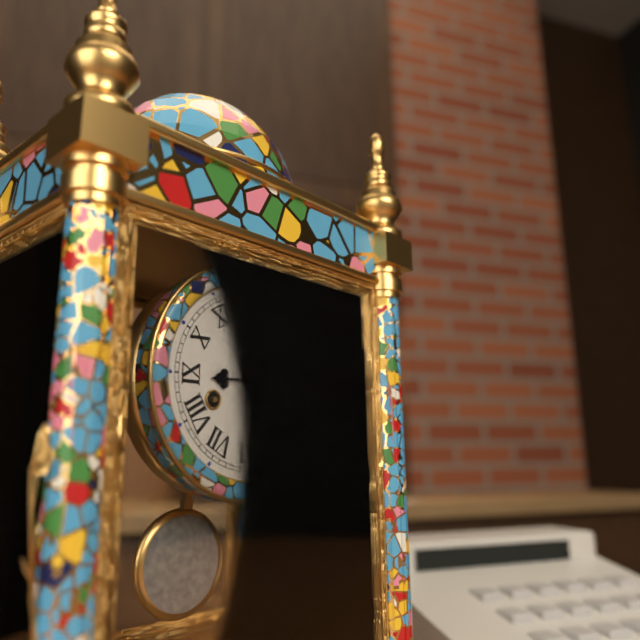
{"hour": 8, "minute": 56}
